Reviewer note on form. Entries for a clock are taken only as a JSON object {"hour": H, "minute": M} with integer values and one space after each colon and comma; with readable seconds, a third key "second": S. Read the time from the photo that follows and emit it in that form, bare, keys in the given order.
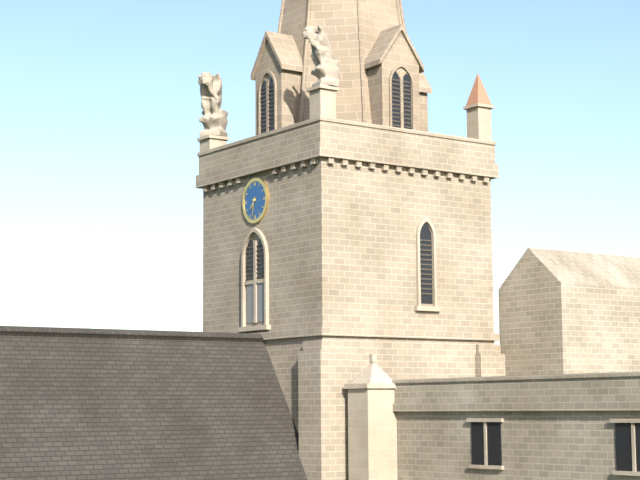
{"hour": 7, "minute": 32}
